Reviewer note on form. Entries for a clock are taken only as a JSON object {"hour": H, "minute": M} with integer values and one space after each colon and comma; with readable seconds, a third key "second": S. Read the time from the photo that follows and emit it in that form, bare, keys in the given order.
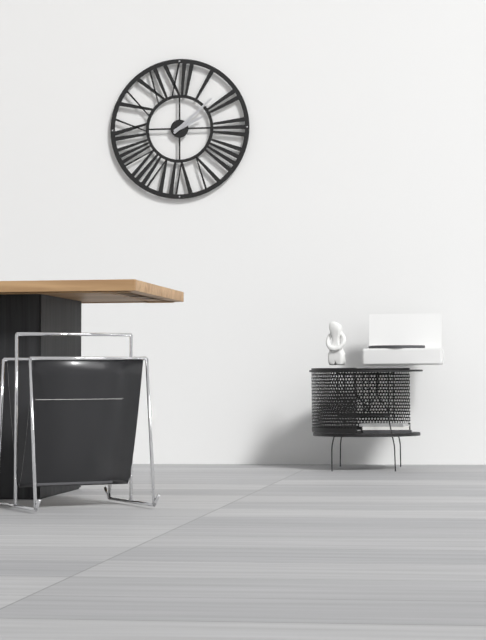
{"hour": 2, "minute": 8}
